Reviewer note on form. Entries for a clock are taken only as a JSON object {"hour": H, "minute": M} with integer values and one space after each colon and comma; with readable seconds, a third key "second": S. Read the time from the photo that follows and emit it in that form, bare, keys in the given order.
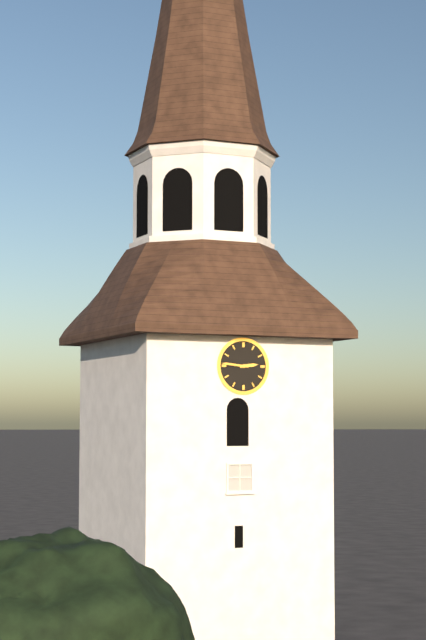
{"hour": 2, "minute": 46}
